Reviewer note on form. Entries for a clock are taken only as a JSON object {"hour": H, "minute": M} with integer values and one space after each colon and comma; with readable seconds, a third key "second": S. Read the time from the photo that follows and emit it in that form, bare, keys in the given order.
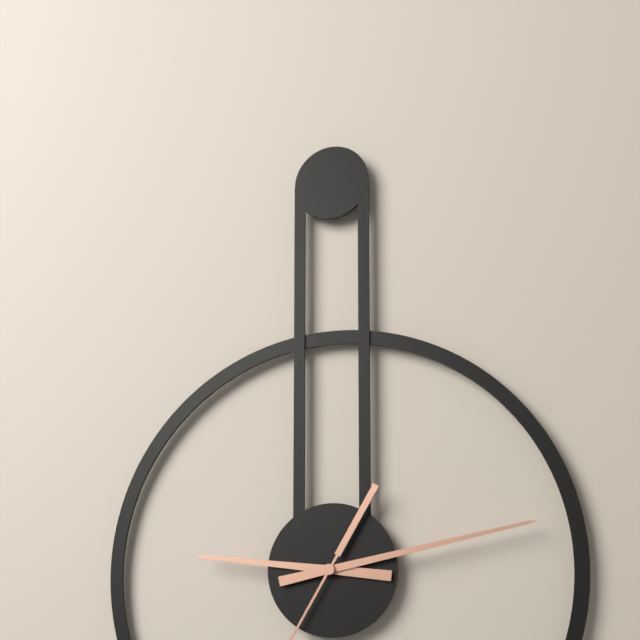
{"hour": 9, "minute": 13}
